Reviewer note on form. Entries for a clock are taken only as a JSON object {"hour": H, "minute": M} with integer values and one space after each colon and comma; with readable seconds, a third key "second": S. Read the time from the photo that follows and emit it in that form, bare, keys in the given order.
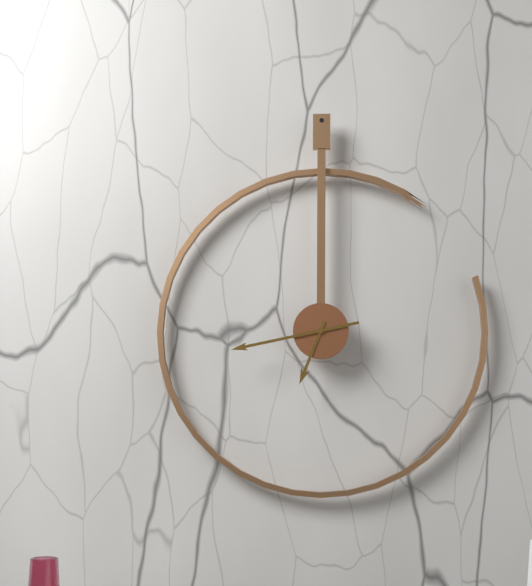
{"hour": 6, "minute": 43}
